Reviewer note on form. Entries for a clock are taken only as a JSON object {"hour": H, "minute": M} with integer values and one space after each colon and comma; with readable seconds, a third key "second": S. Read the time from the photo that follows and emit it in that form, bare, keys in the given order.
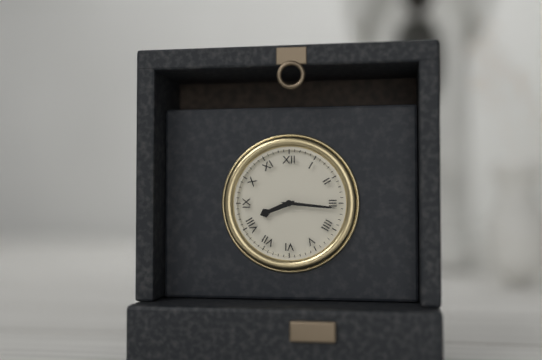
{"hour": 8, "minute": 16}
